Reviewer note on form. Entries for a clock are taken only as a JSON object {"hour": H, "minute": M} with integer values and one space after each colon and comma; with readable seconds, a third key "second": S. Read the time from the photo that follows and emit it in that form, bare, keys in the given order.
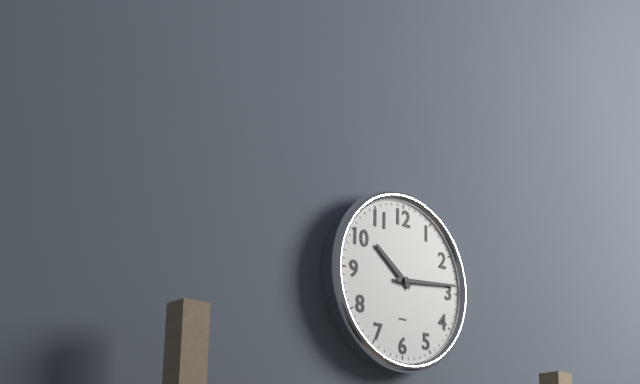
{"hour": 10, "minute": 14}
